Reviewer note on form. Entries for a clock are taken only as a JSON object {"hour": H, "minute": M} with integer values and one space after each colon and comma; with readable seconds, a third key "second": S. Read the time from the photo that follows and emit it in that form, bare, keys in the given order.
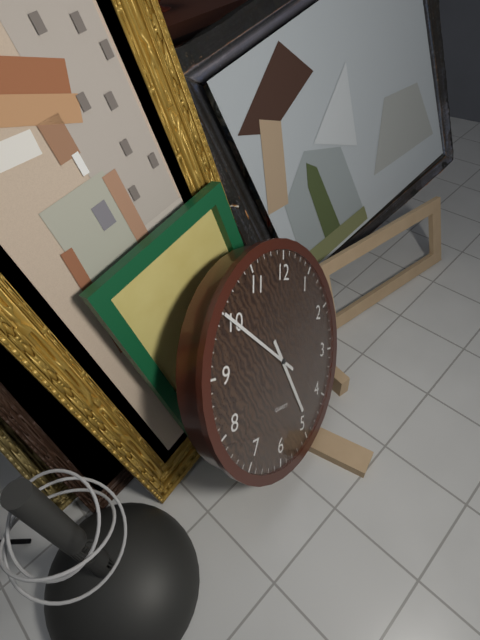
{"hour": 4, "minute": 50}
